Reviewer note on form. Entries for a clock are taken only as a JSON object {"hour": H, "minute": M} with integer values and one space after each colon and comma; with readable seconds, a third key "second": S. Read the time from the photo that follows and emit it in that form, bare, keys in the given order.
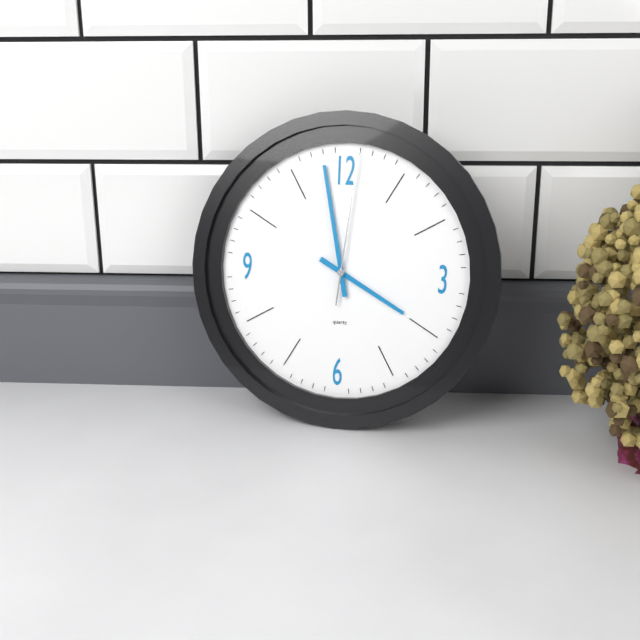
{"hour": 3, "minute": 58, "second": 1}
